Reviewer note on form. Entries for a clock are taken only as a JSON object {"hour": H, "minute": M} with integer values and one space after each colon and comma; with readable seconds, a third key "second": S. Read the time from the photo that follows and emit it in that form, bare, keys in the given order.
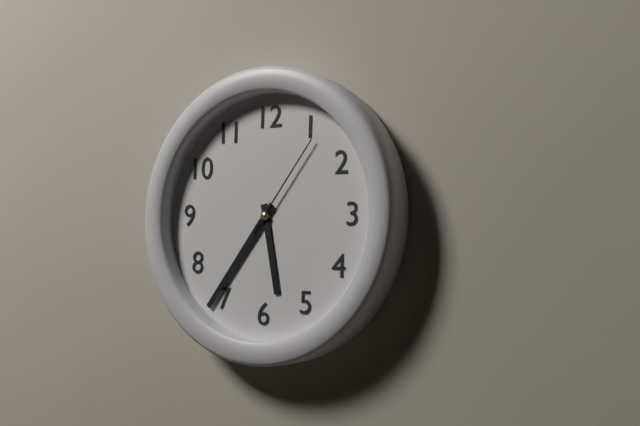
{"hour": 5, "minute": 36, "second": 6}
